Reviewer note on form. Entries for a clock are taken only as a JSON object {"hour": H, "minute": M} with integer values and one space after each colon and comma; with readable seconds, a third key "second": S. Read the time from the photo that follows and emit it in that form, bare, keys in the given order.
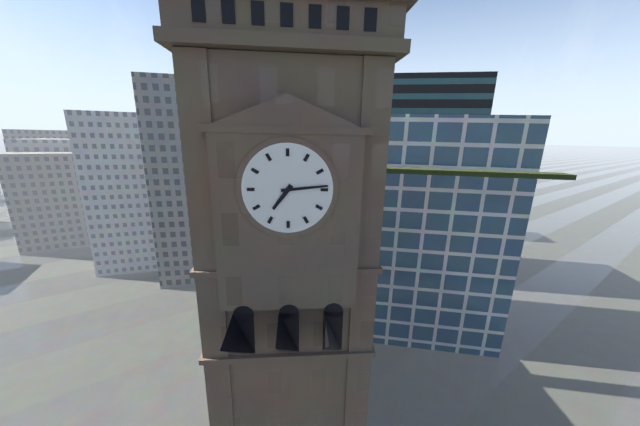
{"hour": 7, "minute": 14}
